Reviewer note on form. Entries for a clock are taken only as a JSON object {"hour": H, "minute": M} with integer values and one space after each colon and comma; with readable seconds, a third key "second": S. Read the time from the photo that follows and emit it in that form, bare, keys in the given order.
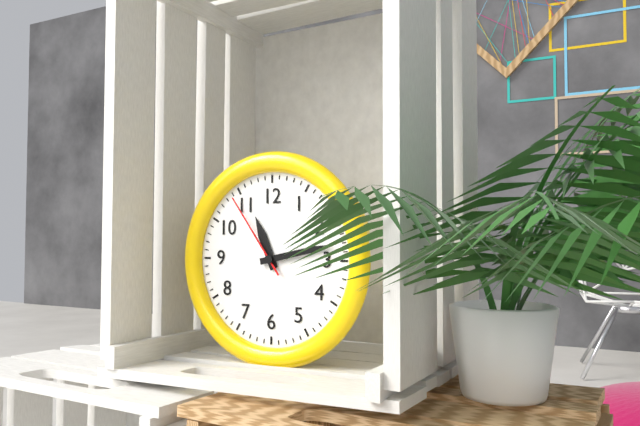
{"hour": 11, "minute": 13, "second": 54}
